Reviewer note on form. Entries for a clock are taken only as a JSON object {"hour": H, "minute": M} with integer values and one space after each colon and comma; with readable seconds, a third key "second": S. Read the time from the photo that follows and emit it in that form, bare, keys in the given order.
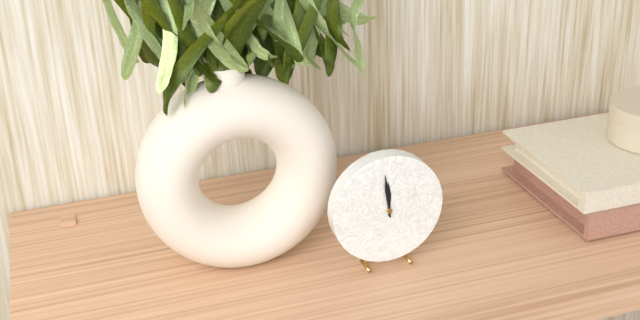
{"hour": 11, "minute": 59}
